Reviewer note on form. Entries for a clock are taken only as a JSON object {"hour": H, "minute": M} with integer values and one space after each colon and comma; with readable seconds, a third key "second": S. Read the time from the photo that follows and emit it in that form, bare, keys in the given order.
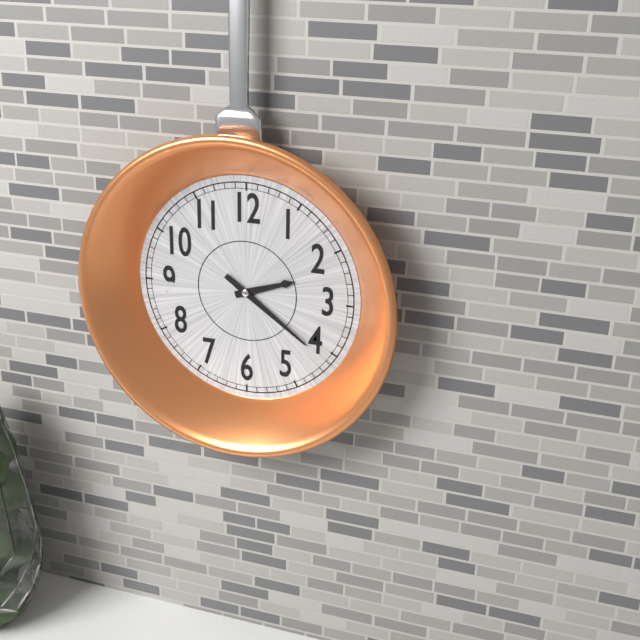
{"hour": 2, "minute": 21}
